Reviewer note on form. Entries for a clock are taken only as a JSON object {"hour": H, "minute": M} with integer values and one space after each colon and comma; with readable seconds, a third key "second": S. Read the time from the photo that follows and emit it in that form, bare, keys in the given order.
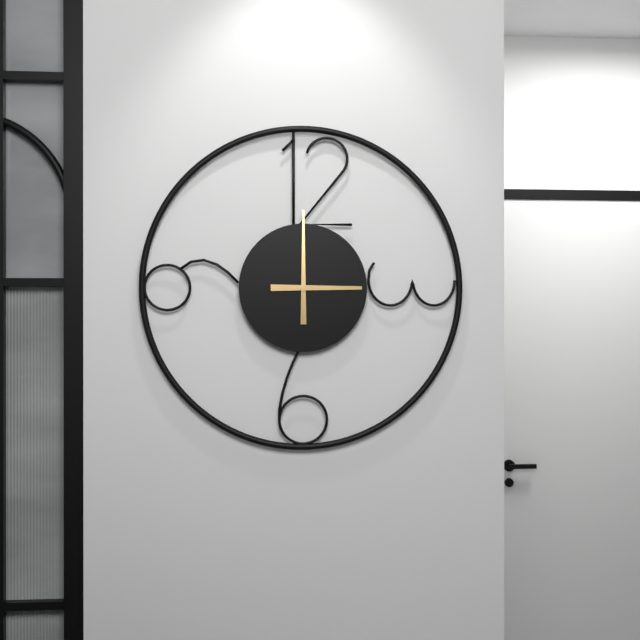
{"hour": 3, "minute": 0}
